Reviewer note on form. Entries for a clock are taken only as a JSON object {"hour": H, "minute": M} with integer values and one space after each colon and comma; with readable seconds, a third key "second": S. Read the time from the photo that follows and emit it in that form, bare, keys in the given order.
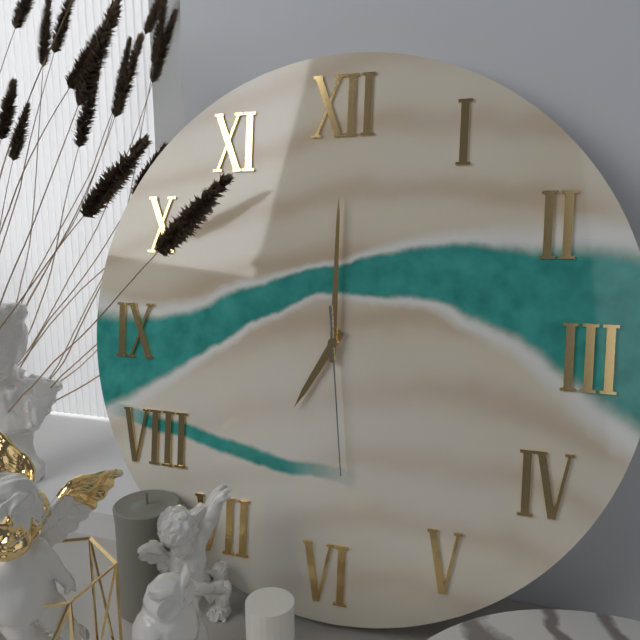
{"hour": 7, "minute": 0, "second": 29}
